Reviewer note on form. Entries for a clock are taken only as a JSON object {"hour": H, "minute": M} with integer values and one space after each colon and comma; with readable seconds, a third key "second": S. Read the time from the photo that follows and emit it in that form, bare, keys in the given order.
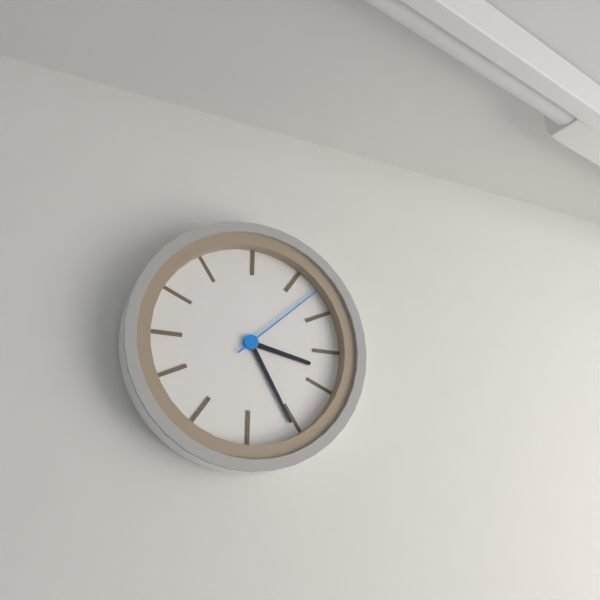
{"hour": 3, "minute": 25, "second": 8}
